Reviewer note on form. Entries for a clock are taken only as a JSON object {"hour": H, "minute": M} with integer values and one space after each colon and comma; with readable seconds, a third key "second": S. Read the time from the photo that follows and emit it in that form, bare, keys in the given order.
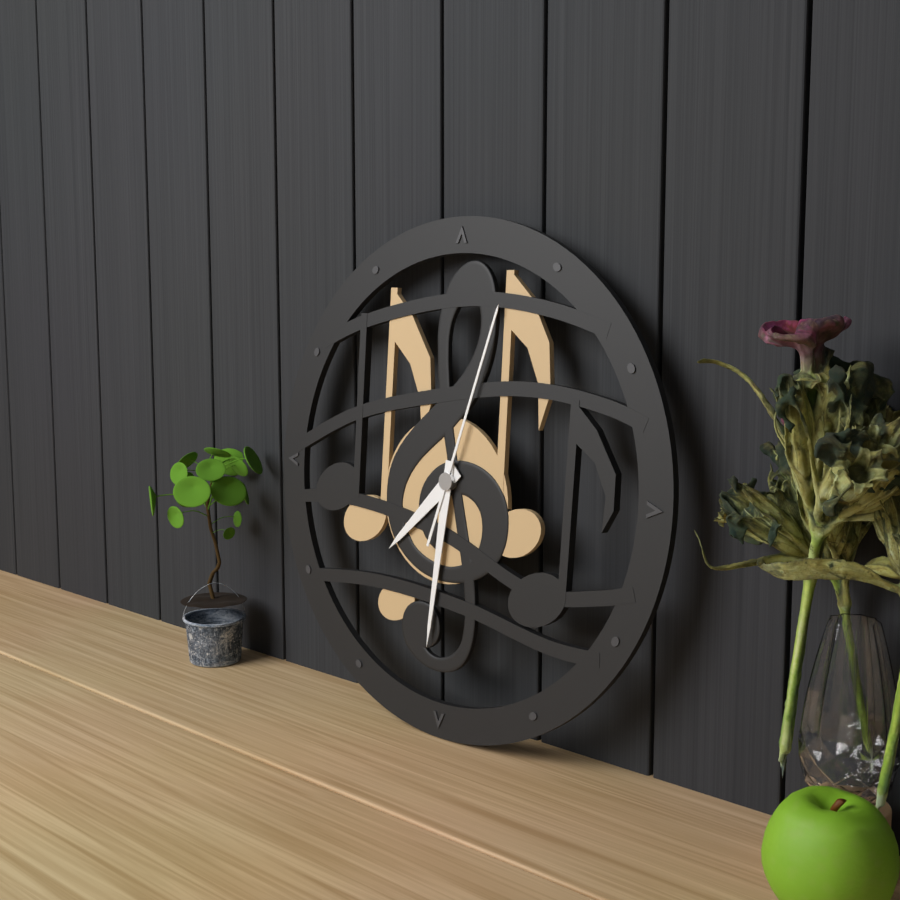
{"hour": 7, "minute": 31, "second": 3}
